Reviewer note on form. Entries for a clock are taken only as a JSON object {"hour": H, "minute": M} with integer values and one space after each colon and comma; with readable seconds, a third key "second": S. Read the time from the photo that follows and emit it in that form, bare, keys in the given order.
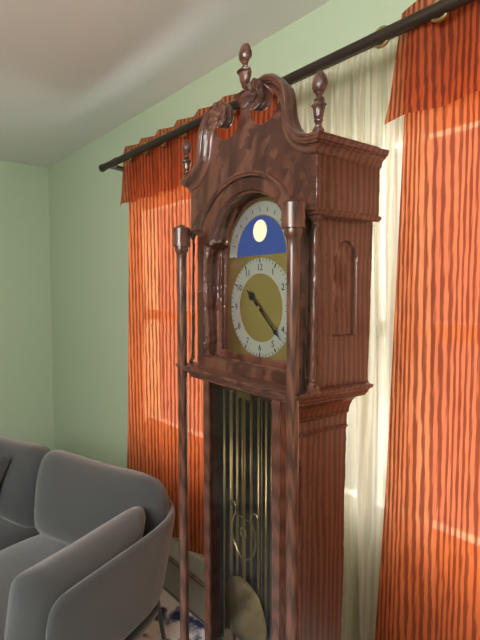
{"hour": 10, "minute": 22}
